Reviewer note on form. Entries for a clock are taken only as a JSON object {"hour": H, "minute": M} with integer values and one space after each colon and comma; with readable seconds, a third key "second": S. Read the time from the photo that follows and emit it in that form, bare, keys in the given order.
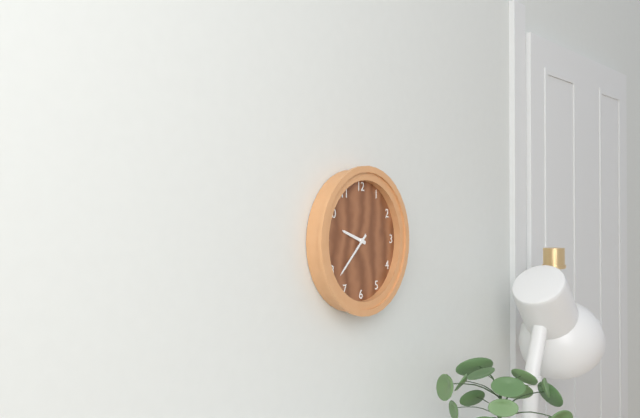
{"hour": 9, "minute": 38}
